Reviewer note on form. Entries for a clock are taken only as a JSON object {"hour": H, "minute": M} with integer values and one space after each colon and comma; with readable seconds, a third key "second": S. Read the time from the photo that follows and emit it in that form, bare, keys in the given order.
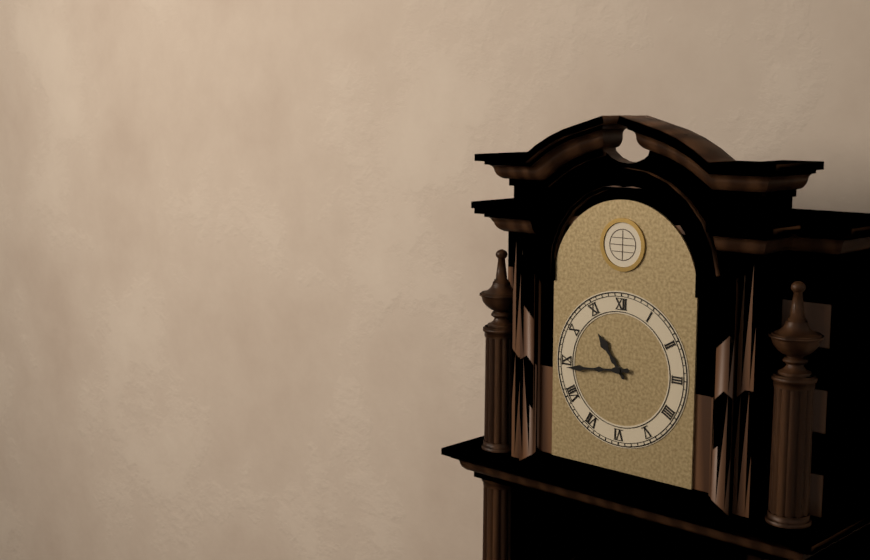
{"hour": 10, "minute": 44}
